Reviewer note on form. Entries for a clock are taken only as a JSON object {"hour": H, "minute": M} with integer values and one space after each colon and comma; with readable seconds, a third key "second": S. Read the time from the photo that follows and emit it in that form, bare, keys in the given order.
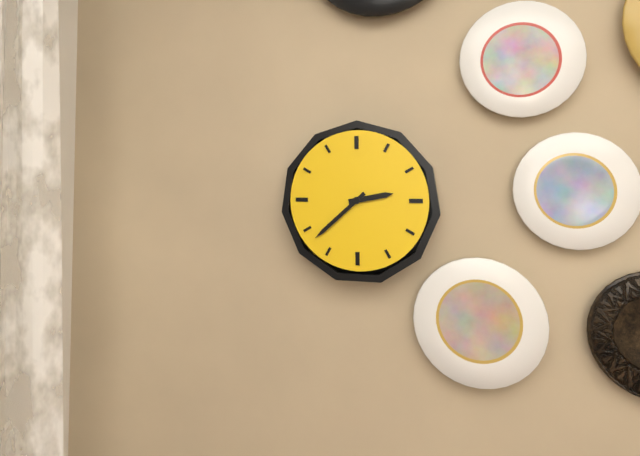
{"hour": 2, "minute": 38}
